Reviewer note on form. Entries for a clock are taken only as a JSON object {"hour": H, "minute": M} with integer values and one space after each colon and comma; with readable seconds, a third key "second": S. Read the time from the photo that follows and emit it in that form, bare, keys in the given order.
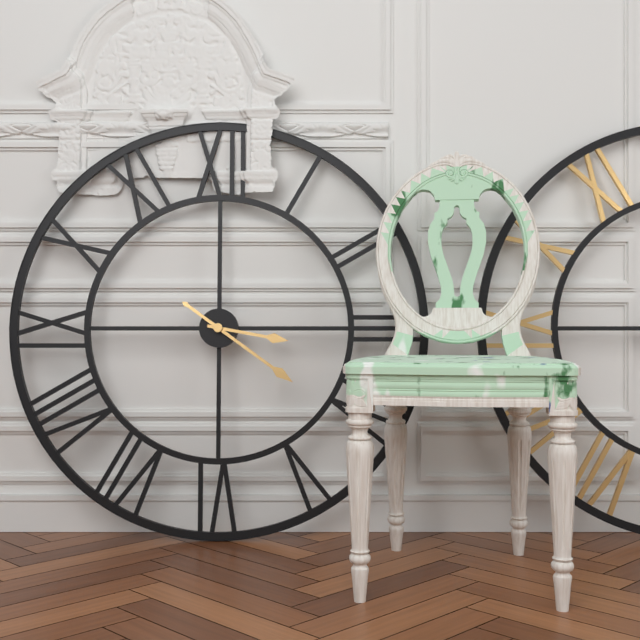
{"hour": 3, "minute": 21}
